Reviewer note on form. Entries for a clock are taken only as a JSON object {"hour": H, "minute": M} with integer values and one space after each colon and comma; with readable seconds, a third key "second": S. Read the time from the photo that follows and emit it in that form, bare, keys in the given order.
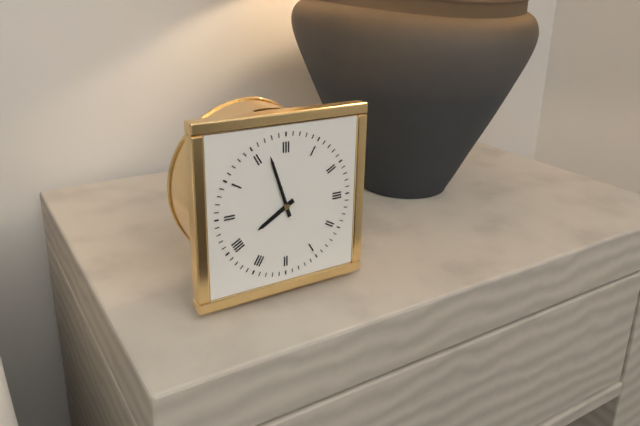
{"hour": 7, "minute": 57}
